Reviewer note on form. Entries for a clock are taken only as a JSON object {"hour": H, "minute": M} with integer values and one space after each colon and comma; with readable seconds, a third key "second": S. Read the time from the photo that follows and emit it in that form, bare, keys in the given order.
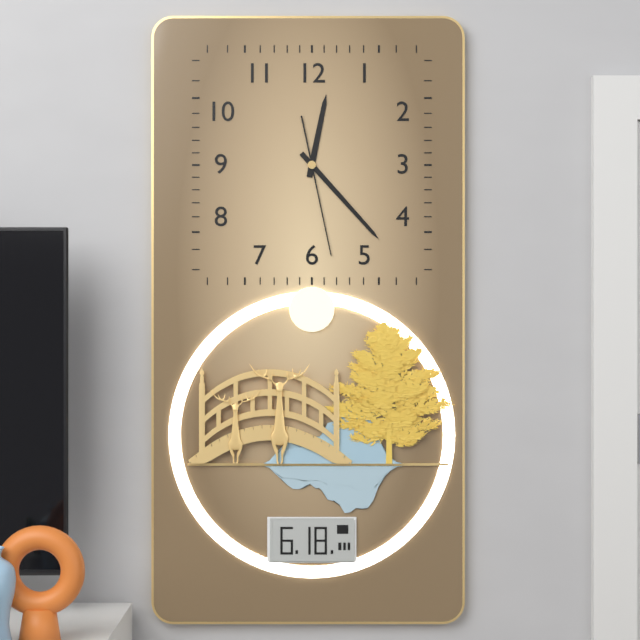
{"hour": 12, "minute": 23, "second": 28}
